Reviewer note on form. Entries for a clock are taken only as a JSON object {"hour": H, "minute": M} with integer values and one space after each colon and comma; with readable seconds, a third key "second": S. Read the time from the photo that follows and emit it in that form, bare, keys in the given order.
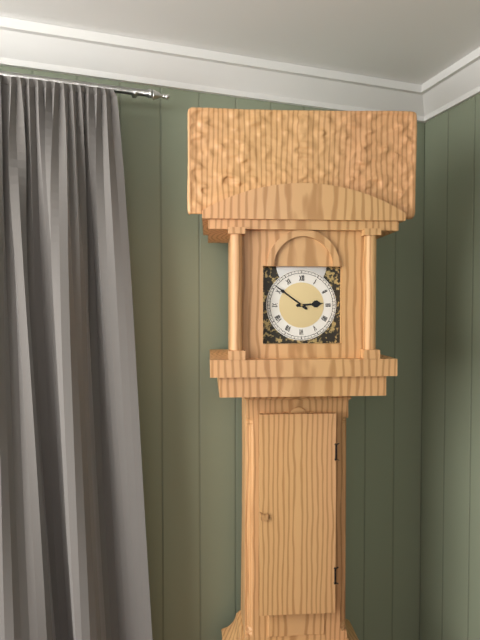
{"hour": 2, "minute": 51}
